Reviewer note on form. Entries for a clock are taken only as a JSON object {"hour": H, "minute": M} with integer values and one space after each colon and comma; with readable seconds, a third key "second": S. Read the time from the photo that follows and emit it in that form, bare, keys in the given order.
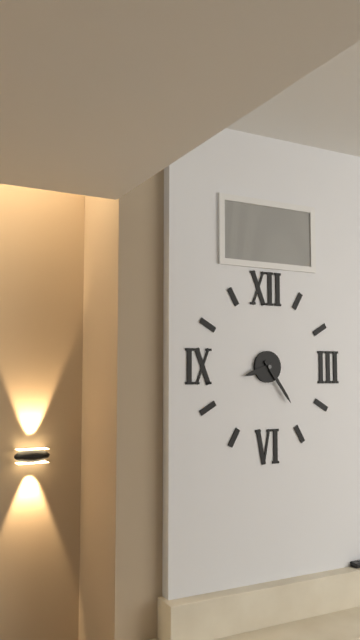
{"hour": 8, "minute": 24}
